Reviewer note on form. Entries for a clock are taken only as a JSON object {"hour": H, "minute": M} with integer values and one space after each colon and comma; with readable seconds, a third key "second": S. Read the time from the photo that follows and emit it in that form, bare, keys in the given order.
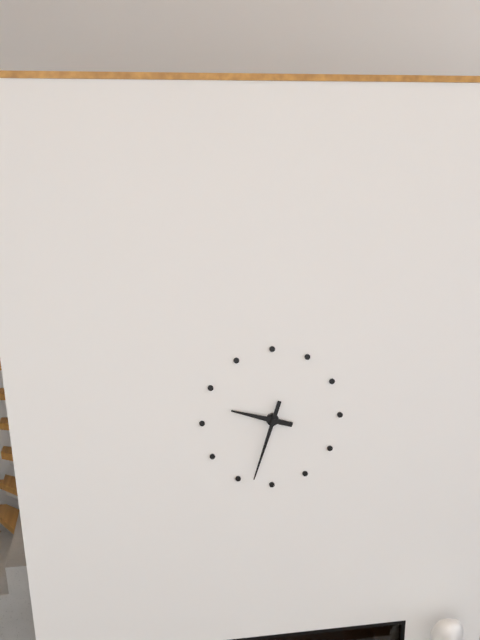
{"hour": 9, "minute": 33}
